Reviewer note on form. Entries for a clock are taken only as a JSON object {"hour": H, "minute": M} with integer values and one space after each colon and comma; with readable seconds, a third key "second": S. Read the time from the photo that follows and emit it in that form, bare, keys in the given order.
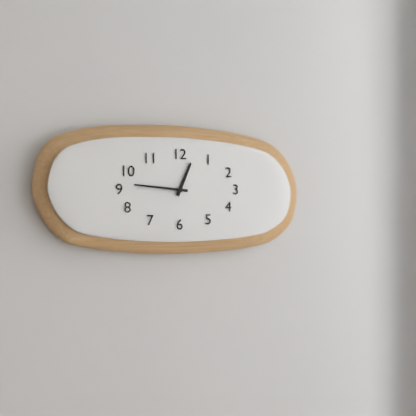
{"hour": 12, "minute": 46}
